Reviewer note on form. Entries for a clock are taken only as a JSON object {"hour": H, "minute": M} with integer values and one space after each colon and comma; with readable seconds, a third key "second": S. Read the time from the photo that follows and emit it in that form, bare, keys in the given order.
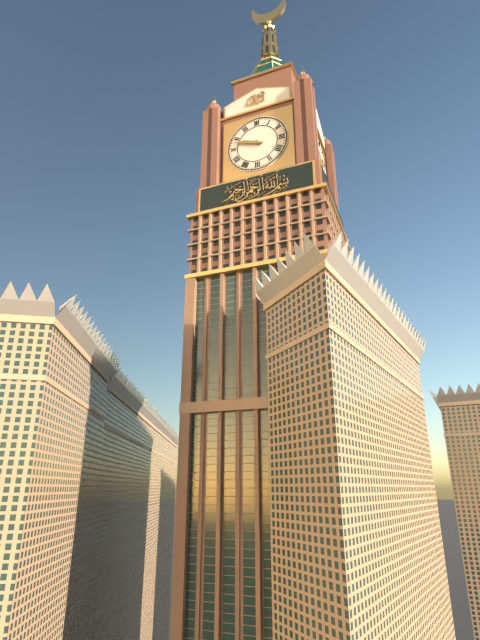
{"hour": 9, "minute": 48}
